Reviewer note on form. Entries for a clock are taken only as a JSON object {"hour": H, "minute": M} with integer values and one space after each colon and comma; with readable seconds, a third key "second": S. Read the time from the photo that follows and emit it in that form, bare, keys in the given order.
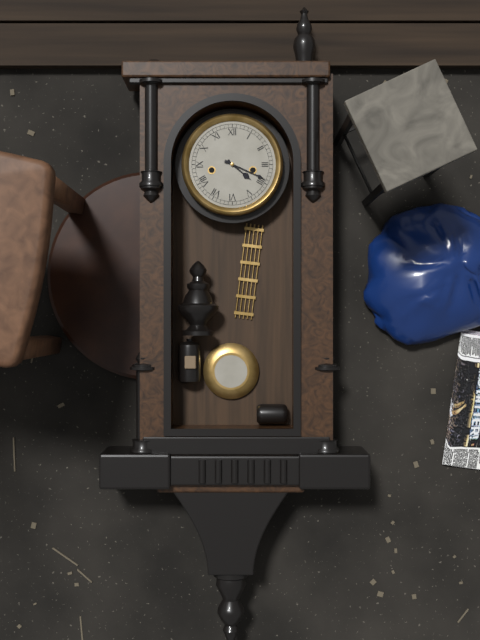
{"hour": 4, "minute": 19}
